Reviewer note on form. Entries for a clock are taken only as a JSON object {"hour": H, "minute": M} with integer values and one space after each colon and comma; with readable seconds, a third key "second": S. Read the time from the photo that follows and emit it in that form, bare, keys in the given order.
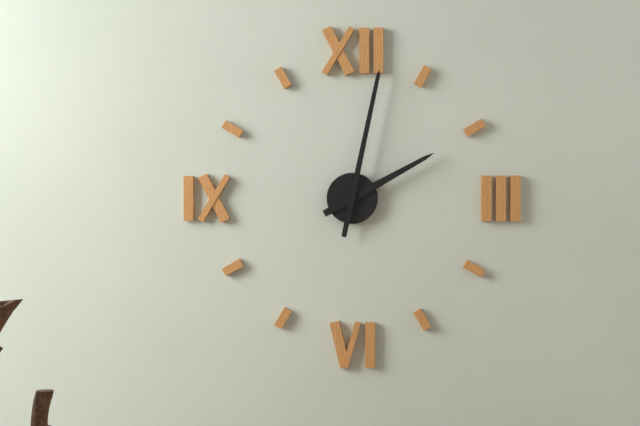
{"hour": 2, "minute": 2}
